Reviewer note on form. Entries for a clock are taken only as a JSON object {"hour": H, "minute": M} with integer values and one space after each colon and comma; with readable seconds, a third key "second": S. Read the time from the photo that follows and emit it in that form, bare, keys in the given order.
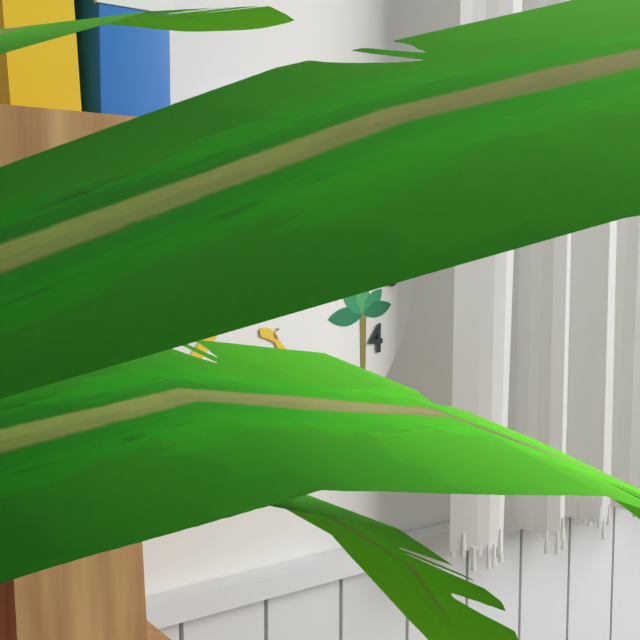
{"hour": 9, "minute": 15, "second": 17}
